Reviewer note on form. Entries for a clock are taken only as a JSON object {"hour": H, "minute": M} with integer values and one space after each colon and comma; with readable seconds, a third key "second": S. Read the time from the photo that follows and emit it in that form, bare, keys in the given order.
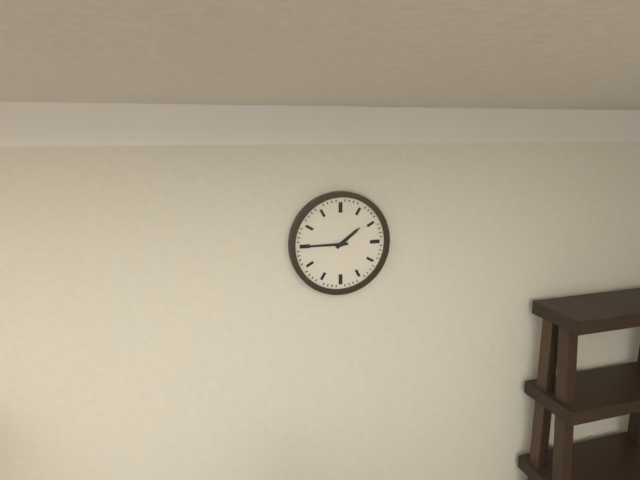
{"hour": 1, "minute": 45}
